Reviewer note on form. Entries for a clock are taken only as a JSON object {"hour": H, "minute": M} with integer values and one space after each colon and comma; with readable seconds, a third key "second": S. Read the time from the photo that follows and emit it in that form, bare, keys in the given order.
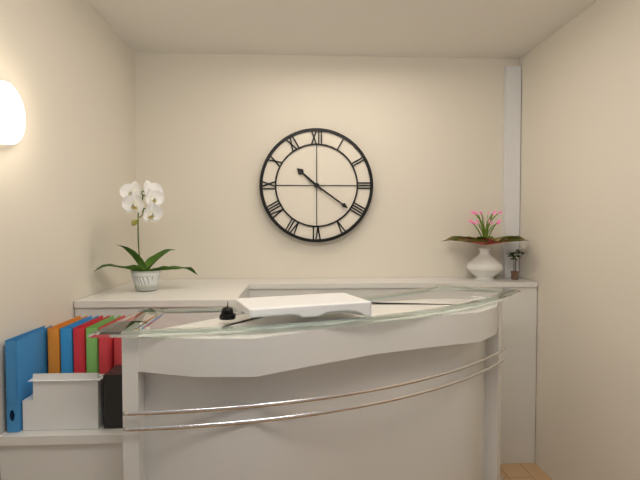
{"hour": 10, "minute": 21}
